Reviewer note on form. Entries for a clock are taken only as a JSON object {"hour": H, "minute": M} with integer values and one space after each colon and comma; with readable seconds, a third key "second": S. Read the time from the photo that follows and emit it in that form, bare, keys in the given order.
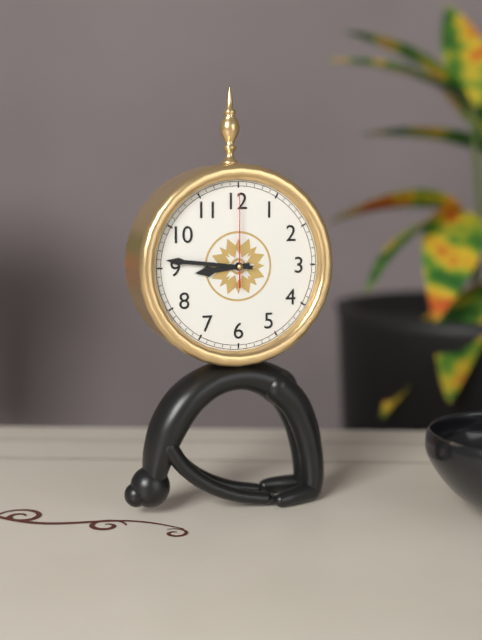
{"hour": 8, "minute": 46, "second": 0}
